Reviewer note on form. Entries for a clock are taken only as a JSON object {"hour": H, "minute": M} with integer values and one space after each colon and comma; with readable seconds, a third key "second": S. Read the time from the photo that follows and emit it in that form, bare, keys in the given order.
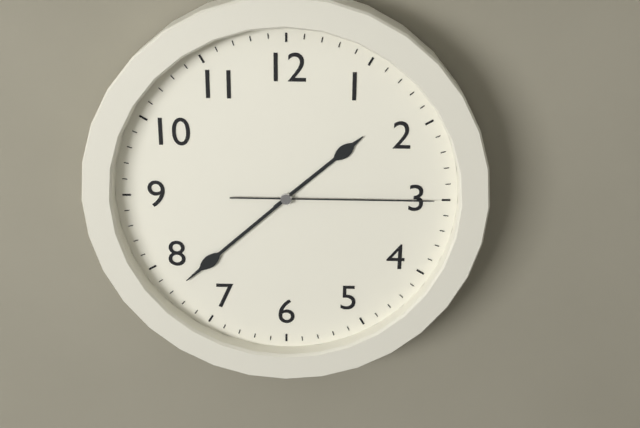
{"hour": 1, "minute": 38, "second": 15}
